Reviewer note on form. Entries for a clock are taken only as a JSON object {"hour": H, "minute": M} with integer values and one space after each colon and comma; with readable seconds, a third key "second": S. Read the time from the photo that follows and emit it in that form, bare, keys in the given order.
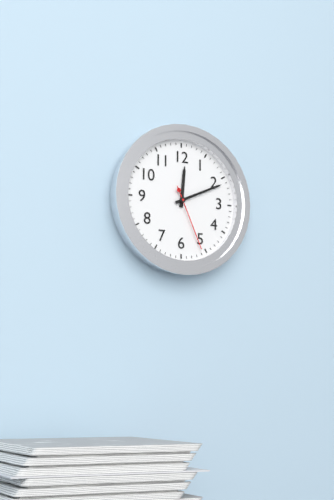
{"hour": 12, "minute": 11, "second": 26}
